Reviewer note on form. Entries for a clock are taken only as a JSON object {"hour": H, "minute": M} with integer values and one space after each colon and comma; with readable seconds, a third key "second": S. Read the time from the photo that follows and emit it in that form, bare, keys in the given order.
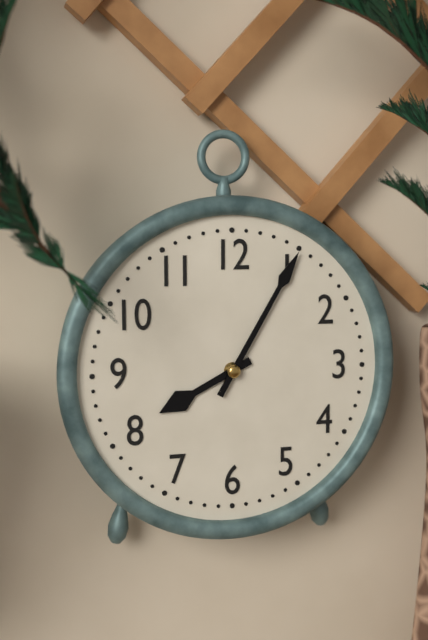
{"hour": 8, "minute": 5}
